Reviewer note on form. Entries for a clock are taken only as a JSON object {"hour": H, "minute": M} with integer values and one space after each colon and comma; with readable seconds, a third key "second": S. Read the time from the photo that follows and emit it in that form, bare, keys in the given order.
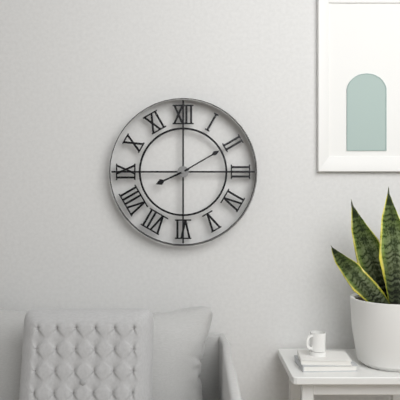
{"hour": 8, "minute": 10}
